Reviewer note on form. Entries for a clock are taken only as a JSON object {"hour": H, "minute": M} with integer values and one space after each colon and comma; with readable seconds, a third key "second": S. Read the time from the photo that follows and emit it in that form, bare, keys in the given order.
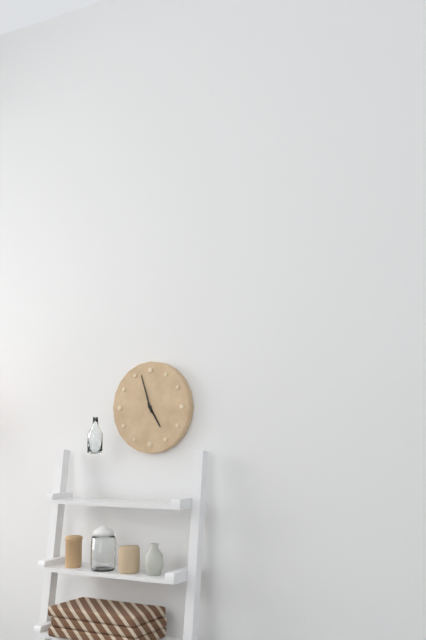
{"hour": 4, "minute": 57}
